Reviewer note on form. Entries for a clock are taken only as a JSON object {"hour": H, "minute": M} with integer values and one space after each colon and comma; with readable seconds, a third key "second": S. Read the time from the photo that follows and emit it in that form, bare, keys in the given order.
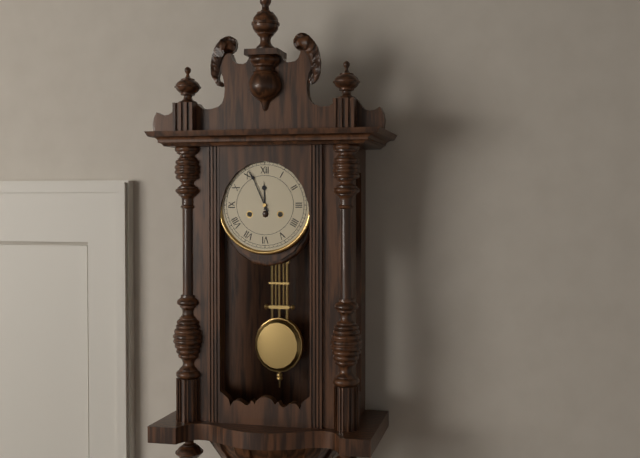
{"hour": 11, "minute": 56}
